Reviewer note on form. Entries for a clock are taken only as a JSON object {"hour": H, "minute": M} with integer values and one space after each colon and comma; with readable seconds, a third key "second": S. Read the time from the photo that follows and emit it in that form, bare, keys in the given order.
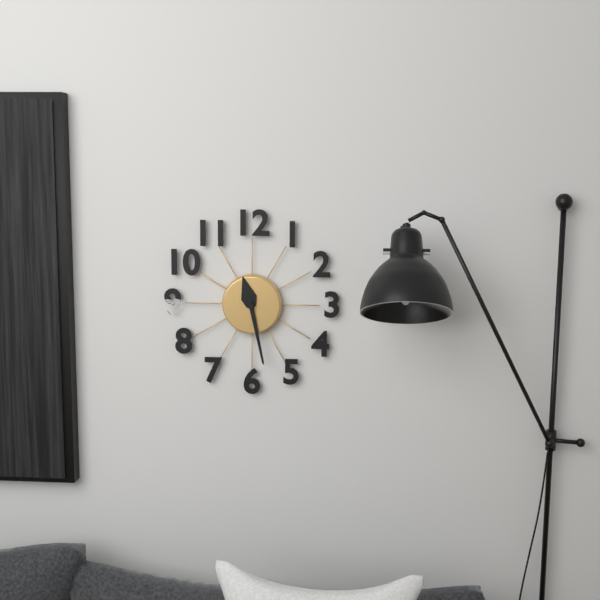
{"hour": 11, "minute": 28}
